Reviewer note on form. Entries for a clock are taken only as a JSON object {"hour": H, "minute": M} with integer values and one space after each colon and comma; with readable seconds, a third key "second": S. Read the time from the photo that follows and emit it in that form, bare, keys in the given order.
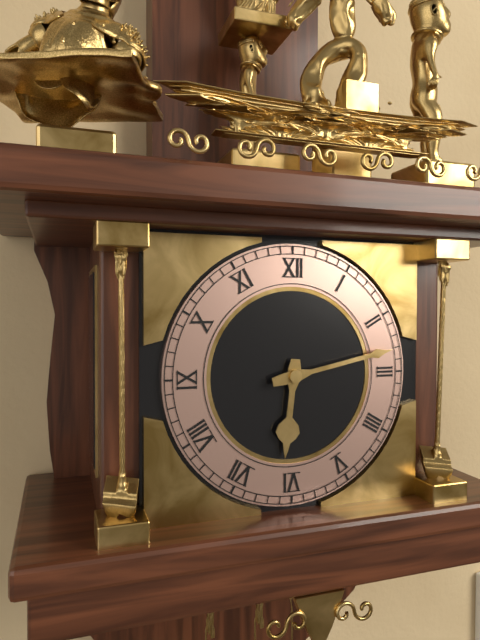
{"hour": 6, "minute": 13}
